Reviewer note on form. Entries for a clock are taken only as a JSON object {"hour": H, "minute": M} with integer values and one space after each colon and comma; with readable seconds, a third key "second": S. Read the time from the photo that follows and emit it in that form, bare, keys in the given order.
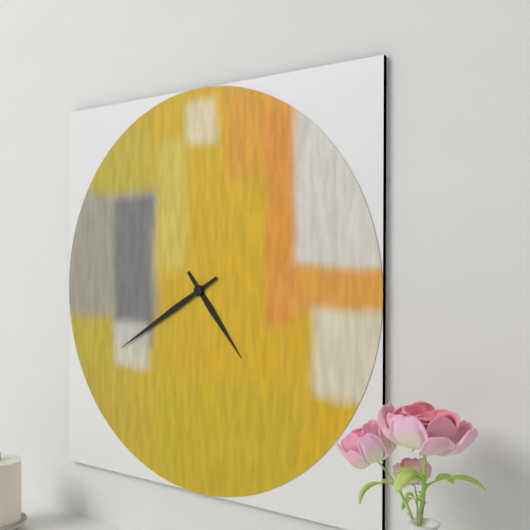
{"hour": 4, "minute": 40}
